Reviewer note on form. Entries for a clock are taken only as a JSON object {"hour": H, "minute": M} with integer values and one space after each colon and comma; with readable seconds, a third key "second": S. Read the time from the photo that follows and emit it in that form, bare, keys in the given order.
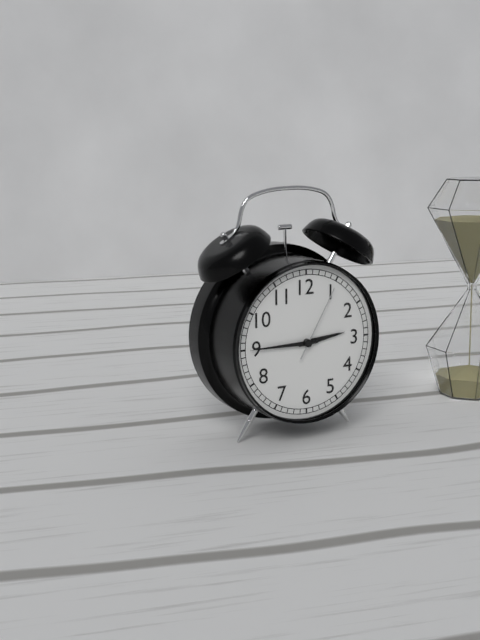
{"hour": 2, "minute": 45, "second": 5}
